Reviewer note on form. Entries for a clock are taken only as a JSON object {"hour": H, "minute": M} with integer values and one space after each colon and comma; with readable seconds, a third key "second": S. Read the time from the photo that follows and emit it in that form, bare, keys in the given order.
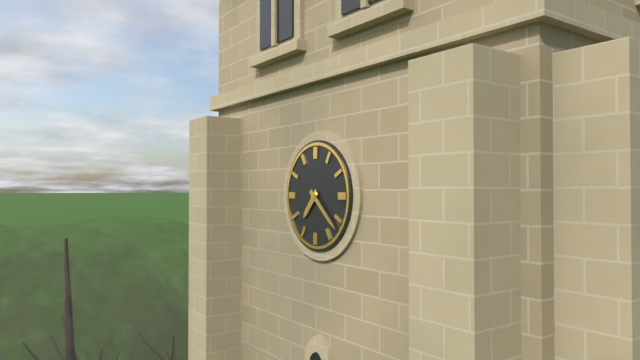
{"hour": 7, "minute": 22}
